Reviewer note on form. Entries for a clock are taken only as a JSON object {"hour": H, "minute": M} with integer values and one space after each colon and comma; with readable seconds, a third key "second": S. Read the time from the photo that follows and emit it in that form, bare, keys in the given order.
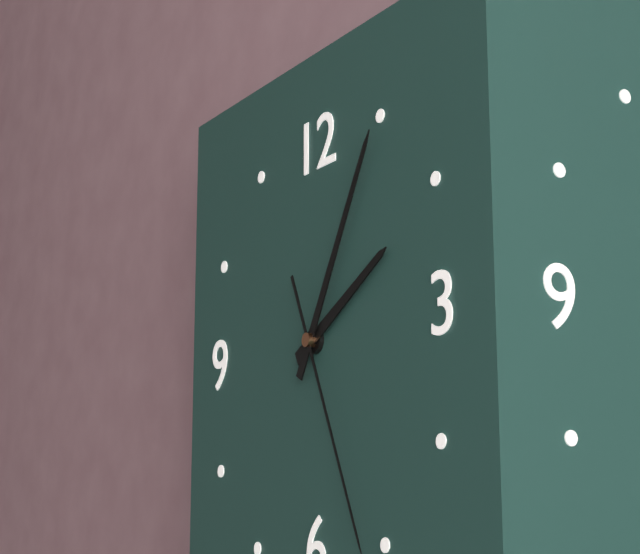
{"hour": 2, "minute": 5}
